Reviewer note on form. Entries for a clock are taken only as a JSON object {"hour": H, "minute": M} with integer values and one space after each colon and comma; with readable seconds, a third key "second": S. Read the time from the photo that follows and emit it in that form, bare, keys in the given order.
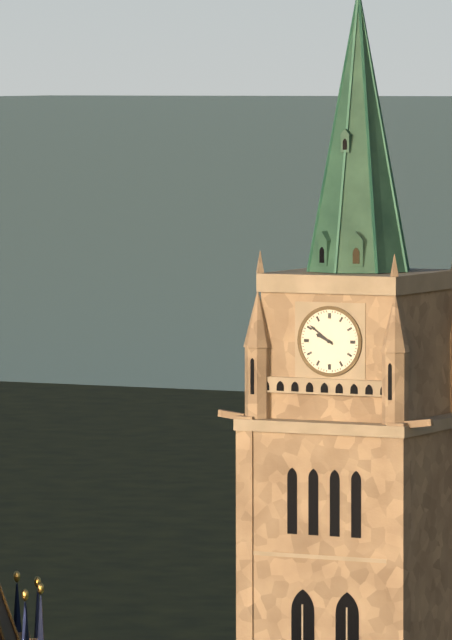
{"hour": 9, "minute": 51}
